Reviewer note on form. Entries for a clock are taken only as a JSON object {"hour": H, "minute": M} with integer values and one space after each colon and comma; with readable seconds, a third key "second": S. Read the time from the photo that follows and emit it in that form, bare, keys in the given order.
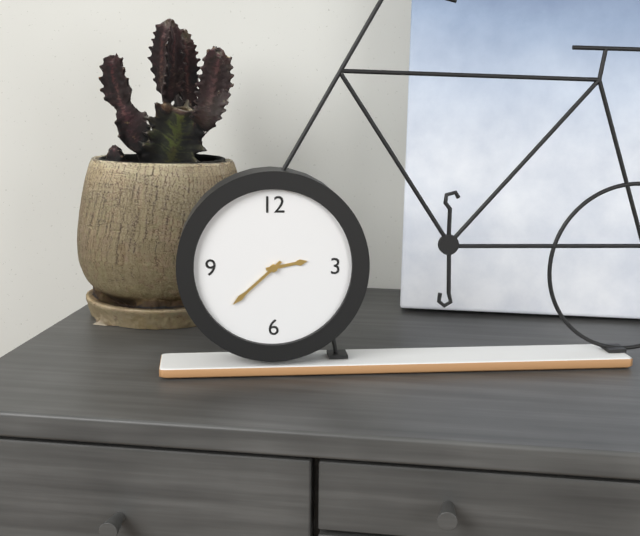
{"hour": 2, "minute": 38}
